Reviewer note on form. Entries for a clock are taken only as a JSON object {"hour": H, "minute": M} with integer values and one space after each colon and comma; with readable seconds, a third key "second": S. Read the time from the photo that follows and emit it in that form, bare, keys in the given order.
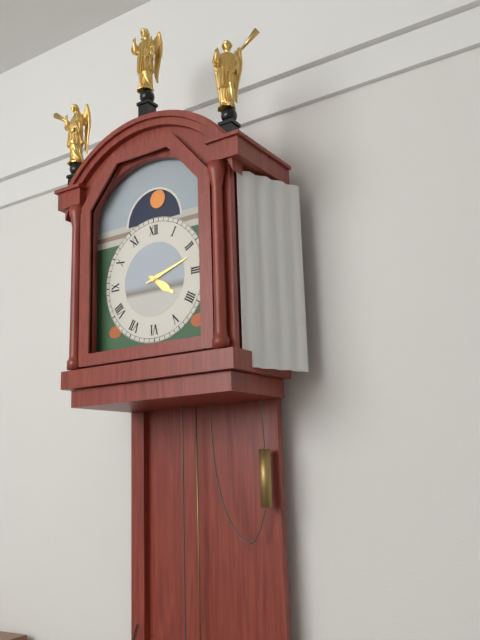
{"hour": 4, "minute": 12}
